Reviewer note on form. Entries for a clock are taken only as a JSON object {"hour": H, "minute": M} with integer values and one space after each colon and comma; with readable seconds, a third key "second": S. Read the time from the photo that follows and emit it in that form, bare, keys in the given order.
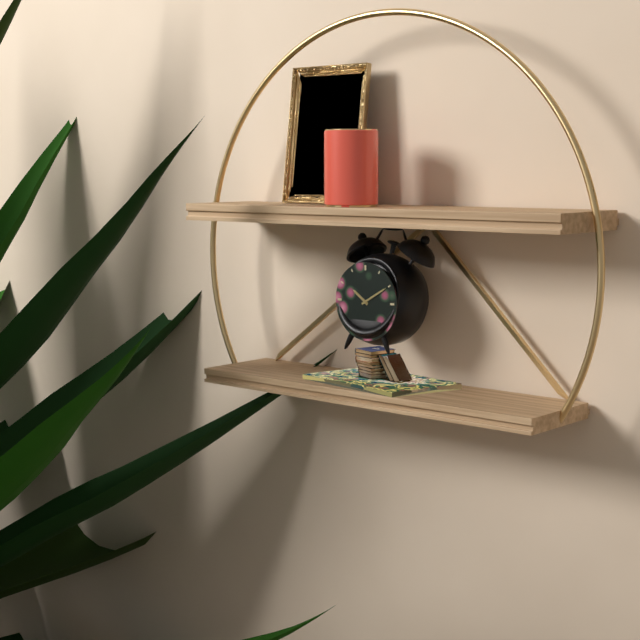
{"hour": 10, "minute": 10}
